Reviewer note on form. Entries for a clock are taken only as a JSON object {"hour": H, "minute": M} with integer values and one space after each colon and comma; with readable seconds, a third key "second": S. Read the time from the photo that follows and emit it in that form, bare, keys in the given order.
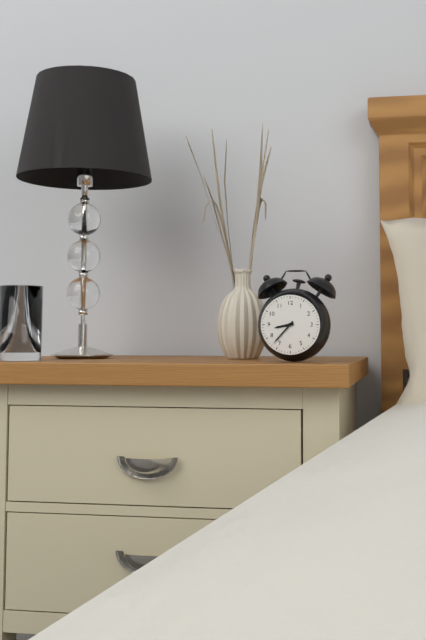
{"hour": 8, "minute": 37}
